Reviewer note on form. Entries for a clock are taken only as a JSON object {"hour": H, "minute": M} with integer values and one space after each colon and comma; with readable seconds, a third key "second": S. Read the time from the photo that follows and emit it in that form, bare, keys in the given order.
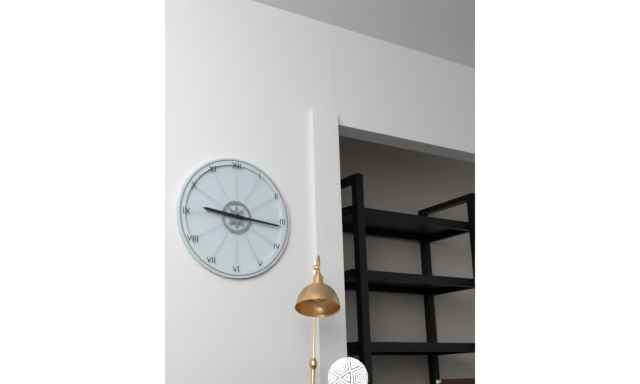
{"hour": 9, "minute": 16}
